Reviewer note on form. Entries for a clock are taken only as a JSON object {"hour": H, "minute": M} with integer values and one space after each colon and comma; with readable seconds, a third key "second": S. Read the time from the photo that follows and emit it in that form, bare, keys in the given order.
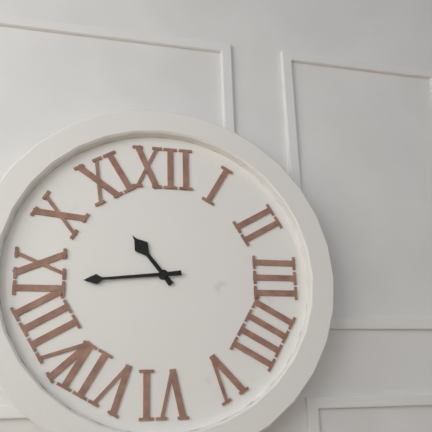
{"hour": 10, "minute": 44}
